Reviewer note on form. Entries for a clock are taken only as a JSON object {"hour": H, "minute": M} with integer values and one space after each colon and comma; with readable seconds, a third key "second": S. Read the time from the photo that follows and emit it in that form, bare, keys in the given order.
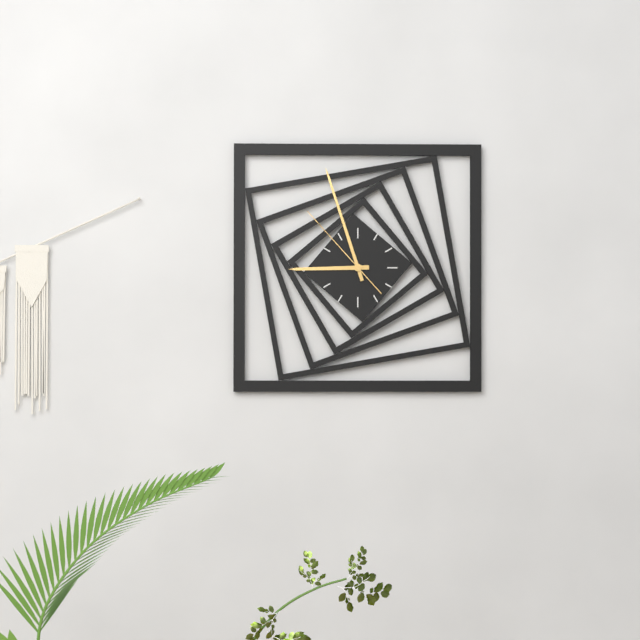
{"hour": 8, "minute": 57, "second": 53}
